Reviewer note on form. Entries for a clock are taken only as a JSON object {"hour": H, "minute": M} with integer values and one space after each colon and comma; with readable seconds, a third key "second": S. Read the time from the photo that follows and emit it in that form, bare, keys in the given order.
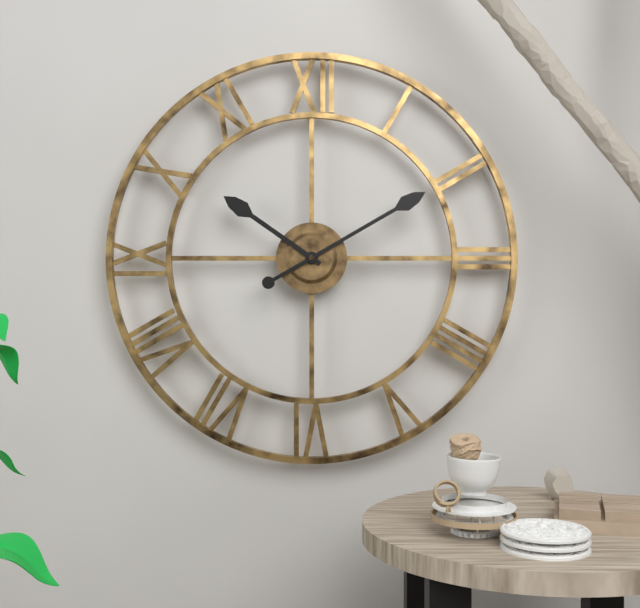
{"hour": 10, "minute": 10}
